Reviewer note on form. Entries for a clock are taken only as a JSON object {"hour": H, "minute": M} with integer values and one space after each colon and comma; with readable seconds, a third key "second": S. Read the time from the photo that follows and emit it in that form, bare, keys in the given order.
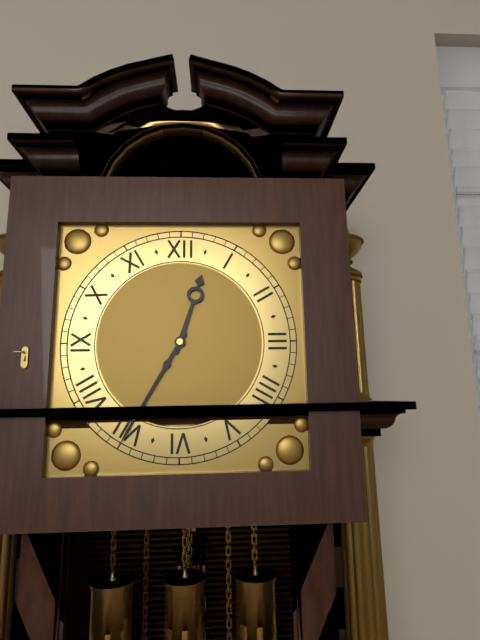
{"hour": 12, "minute": 35}
